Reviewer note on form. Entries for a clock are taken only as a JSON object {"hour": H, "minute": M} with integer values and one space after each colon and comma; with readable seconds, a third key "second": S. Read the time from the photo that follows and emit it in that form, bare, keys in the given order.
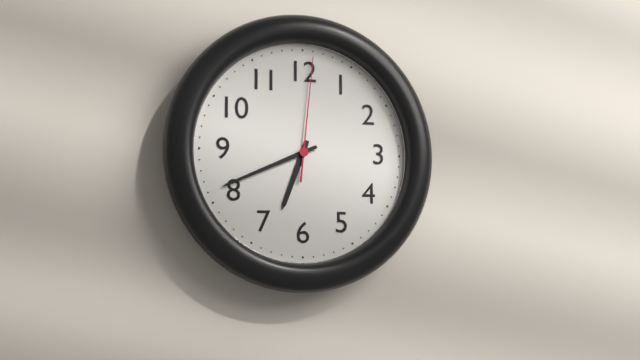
{"hour": 6, "minute": 41, "second": 1}
